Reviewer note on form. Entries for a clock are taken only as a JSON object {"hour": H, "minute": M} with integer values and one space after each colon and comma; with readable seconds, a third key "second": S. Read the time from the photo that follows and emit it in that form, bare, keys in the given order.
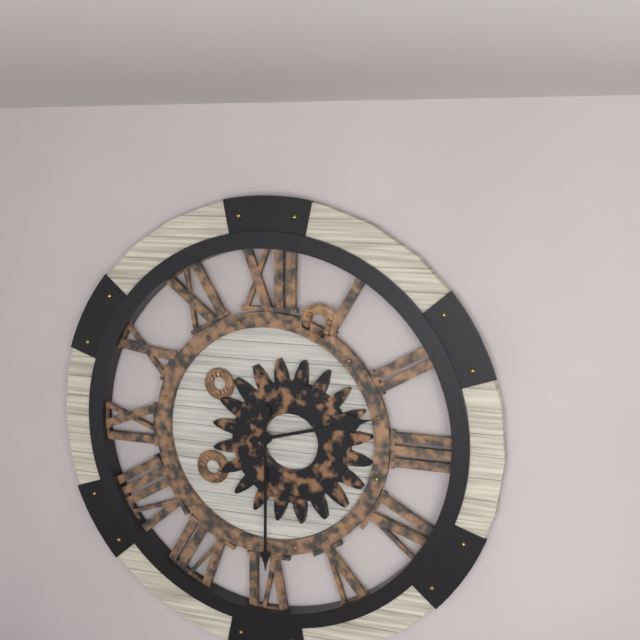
{"hour": 2, "minute": 30}
